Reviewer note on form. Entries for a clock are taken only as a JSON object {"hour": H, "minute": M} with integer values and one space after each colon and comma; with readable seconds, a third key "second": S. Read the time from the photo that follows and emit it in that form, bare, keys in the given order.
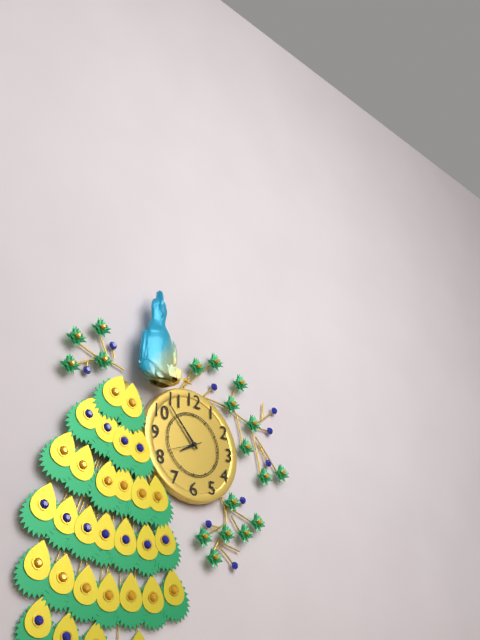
{"hour": 7, "minute": 53}
